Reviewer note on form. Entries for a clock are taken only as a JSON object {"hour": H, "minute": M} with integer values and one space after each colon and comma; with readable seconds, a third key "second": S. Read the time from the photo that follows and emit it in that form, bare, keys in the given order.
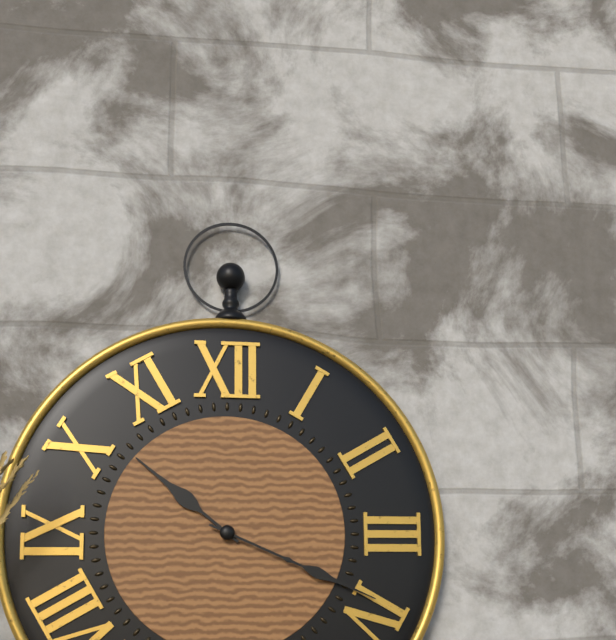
{"hour": 10, "minute": 19}
